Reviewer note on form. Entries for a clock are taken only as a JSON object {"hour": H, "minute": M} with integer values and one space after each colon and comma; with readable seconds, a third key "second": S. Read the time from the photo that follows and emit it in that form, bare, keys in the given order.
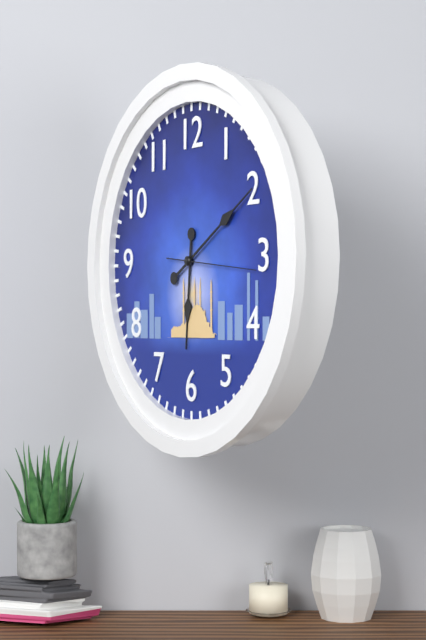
{"hour": 6, "minute": 10, "second": 16}
